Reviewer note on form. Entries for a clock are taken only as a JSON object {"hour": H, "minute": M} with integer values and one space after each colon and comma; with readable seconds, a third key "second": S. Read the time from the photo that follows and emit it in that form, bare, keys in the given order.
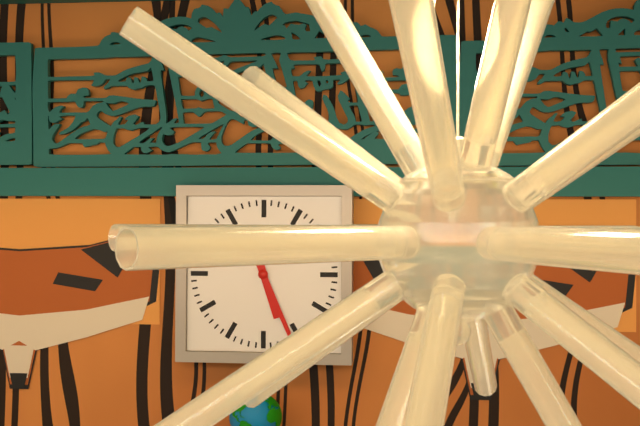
{"hour": 5, "minute": 26}
